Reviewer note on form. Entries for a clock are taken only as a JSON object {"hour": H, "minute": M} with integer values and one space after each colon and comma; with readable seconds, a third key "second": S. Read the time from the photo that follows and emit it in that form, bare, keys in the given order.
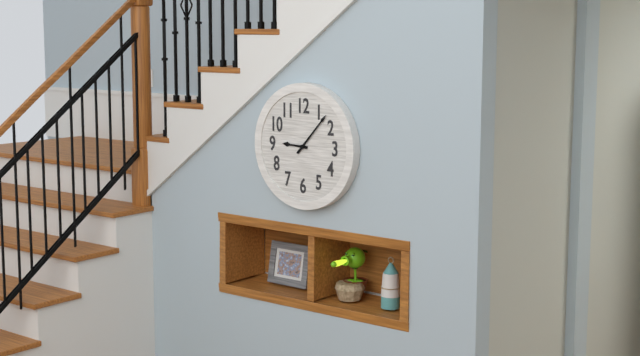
{"hour": 9, "minute": 7}
